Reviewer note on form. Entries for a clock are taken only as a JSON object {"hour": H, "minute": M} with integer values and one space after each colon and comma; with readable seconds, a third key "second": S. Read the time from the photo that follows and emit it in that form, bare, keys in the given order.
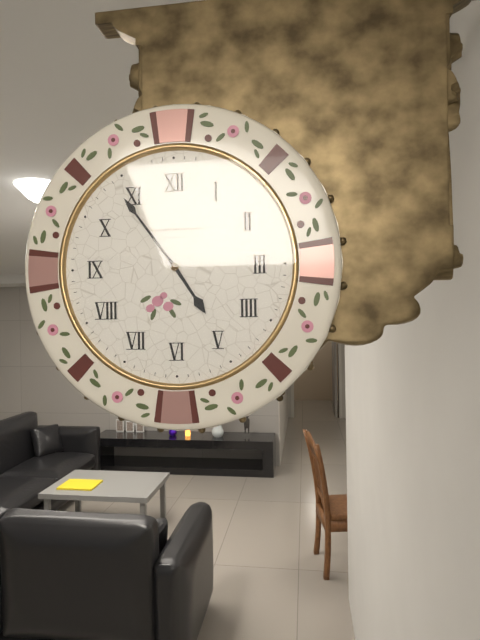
{"hour": 4, "minute": 54}
